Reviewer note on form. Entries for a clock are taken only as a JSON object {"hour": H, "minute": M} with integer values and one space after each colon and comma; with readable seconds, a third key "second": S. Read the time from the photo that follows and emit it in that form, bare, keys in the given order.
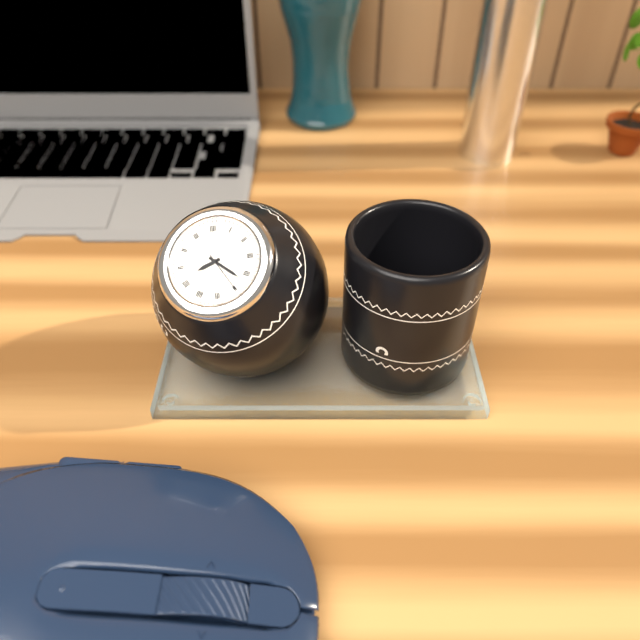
{"hour": 8, "minute": 22}
